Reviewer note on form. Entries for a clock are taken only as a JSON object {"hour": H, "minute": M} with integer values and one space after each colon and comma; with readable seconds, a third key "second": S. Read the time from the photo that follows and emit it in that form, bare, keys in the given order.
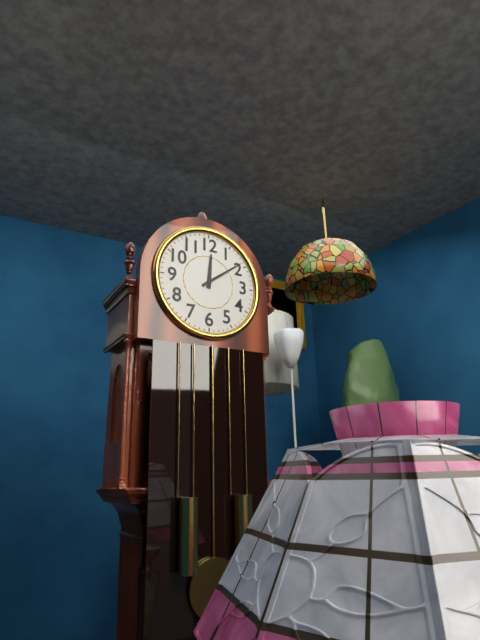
{"hour": 12, "minute": 9}
